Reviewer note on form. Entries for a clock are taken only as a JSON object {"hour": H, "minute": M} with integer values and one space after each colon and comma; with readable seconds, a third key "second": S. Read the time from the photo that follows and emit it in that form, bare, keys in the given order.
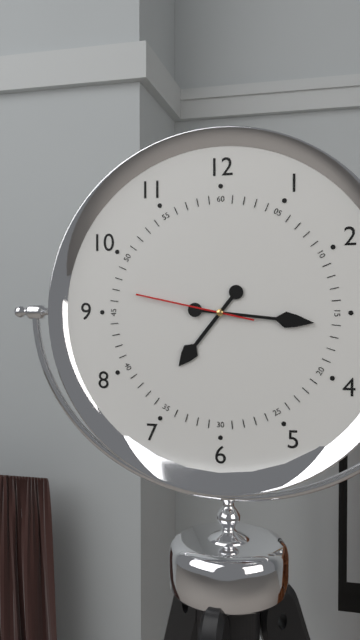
{"hour": 7, "minute": 16, "second": 47}
